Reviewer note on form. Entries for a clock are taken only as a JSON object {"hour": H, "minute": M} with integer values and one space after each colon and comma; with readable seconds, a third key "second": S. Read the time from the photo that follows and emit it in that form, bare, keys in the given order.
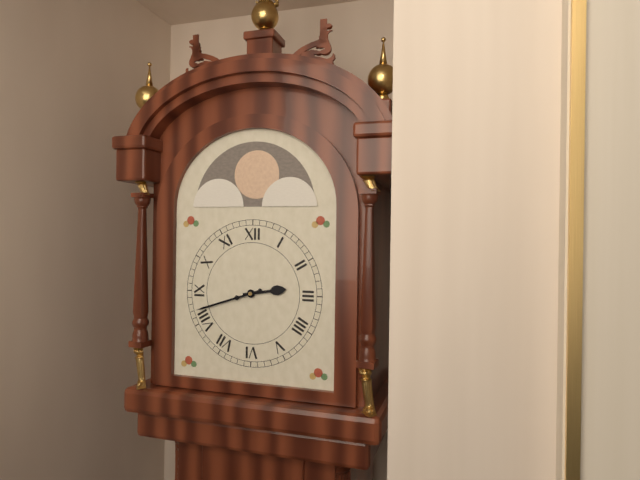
{"hour": 2, "minute": 42}
